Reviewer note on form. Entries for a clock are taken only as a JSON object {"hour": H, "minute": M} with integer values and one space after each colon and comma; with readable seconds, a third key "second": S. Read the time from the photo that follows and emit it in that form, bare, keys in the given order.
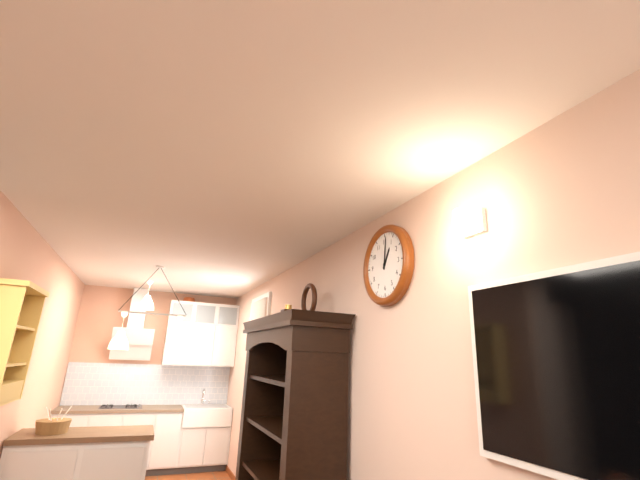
{"hour": 1, "minute": 1}
